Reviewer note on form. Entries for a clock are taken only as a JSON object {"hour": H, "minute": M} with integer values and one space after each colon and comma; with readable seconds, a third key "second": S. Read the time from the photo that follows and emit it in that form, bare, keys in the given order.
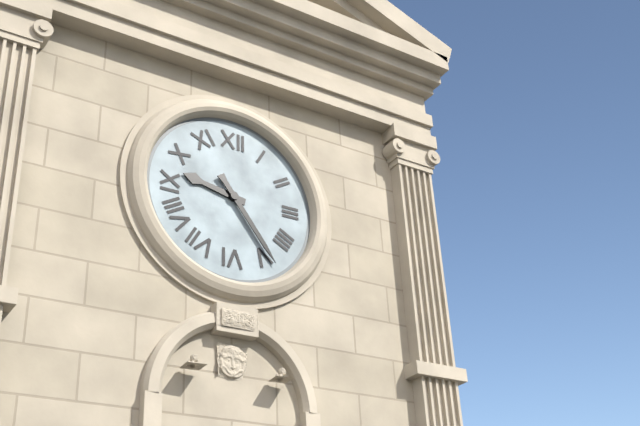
{"hour": 9, "minute": 24}
